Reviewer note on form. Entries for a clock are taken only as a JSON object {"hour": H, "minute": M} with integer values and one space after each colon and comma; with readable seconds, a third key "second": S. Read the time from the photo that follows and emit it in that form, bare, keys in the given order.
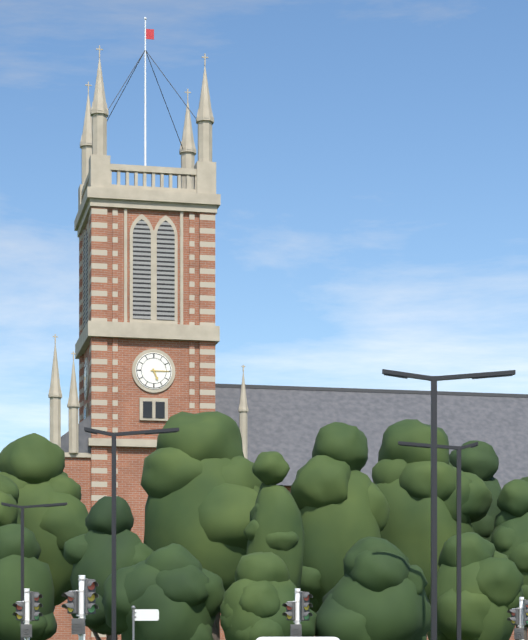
{"hour": 5, "minute": 15}
